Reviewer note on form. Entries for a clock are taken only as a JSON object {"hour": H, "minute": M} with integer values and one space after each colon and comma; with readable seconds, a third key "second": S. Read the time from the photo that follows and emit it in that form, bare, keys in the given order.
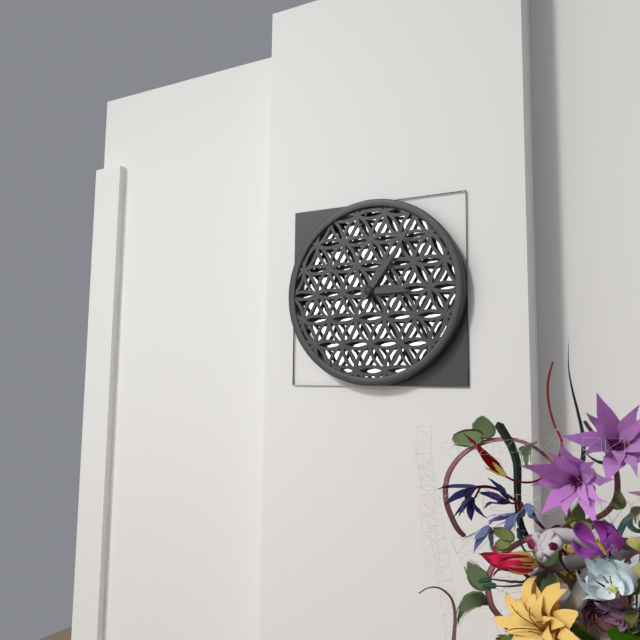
{"hour": 3, "minute": 6}
